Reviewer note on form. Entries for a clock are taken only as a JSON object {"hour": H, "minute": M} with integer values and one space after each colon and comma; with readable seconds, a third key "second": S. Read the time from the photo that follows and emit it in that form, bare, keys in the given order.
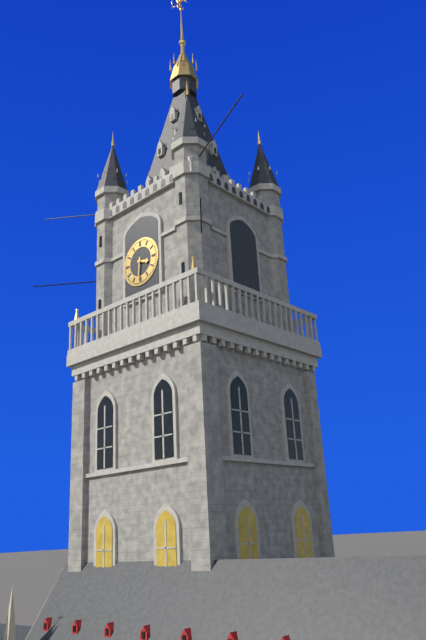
{"hour": 3, "minute": 31}
